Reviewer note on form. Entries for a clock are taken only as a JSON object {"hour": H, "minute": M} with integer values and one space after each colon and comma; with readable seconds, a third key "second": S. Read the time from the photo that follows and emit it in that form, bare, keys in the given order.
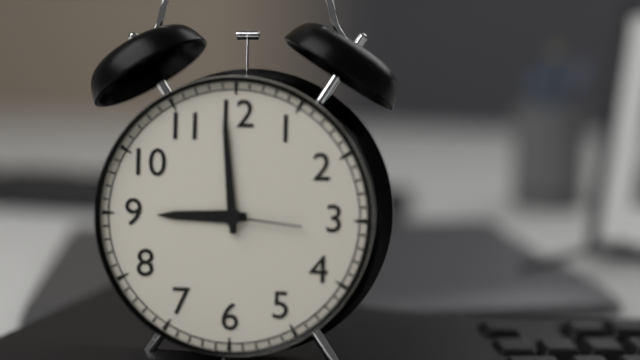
{"hour": 8, "minute": 59, "second": 16}
